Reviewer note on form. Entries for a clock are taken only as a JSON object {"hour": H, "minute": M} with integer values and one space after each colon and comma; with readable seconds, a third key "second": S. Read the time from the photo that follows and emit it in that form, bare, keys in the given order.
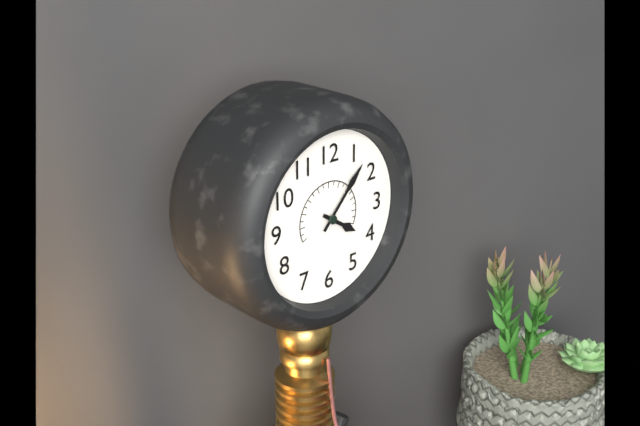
{"hour": 4, "minute": 7}
